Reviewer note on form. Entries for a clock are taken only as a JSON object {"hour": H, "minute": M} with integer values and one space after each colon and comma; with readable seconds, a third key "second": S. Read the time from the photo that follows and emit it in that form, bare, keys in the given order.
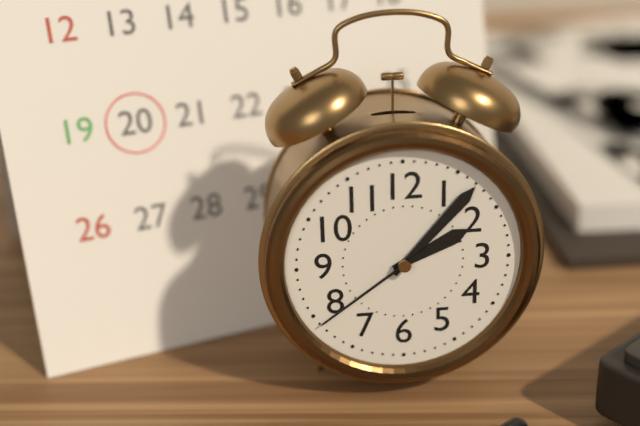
{"hour": 2, "minute": 7, "second": 39}
